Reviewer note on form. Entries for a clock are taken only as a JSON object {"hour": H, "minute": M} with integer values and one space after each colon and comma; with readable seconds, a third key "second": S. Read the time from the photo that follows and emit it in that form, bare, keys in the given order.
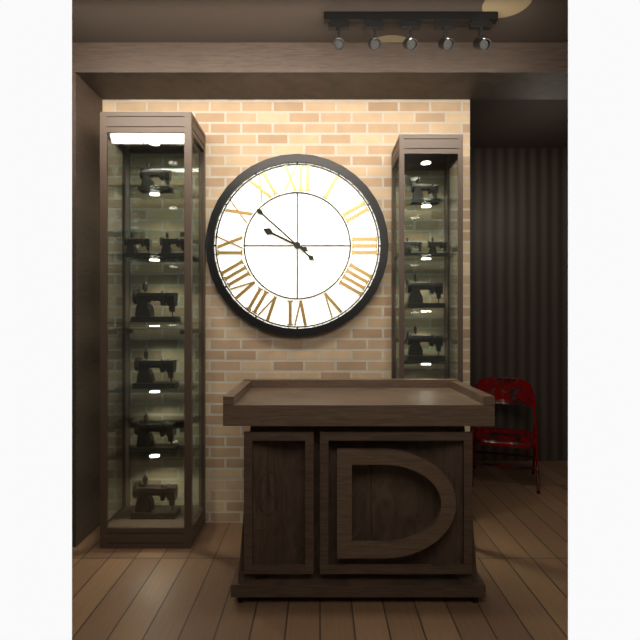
{"hour": 9, "minute": 52}
